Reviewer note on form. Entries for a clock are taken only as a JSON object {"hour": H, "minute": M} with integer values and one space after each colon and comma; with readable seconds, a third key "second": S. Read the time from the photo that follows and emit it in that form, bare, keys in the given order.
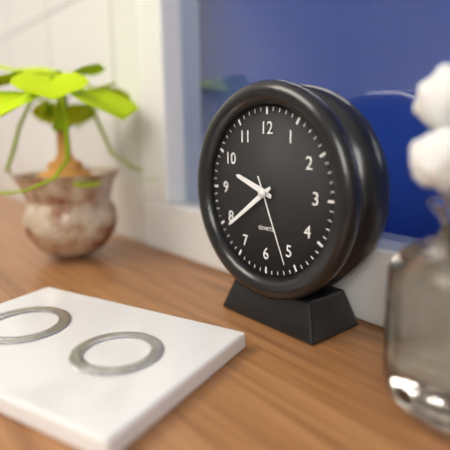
{"hour": 9, "minute": 39, "second": 26}
